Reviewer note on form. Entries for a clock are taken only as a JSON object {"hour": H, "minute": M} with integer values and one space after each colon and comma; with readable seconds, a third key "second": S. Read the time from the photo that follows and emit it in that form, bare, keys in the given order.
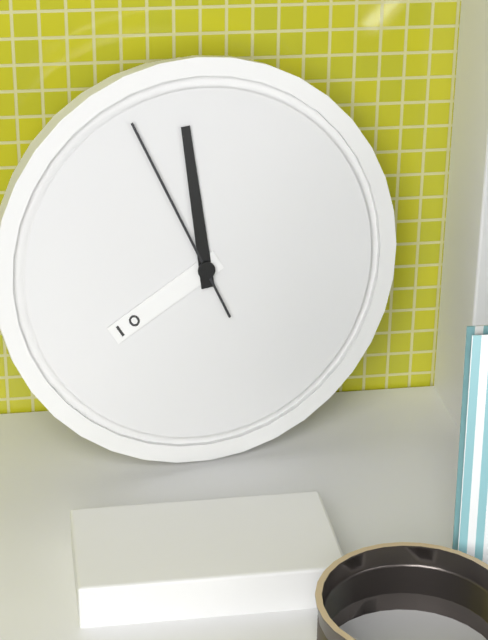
{"hour": 7, "minute": 59, "second": 56}
